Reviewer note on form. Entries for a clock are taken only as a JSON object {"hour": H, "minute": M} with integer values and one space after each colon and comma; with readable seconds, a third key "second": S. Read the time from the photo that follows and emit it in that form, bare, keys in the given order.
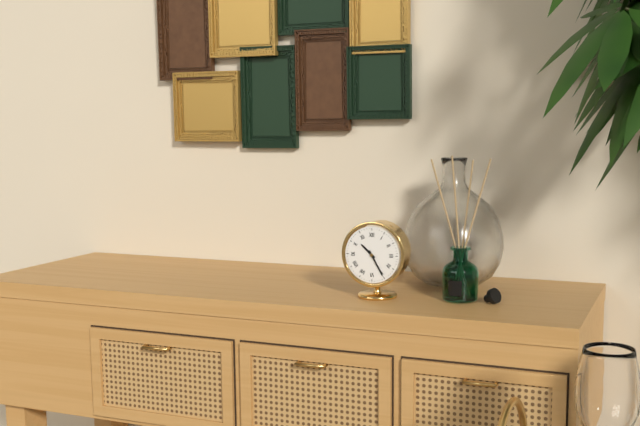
{"hour": 10, "minute": 25}
